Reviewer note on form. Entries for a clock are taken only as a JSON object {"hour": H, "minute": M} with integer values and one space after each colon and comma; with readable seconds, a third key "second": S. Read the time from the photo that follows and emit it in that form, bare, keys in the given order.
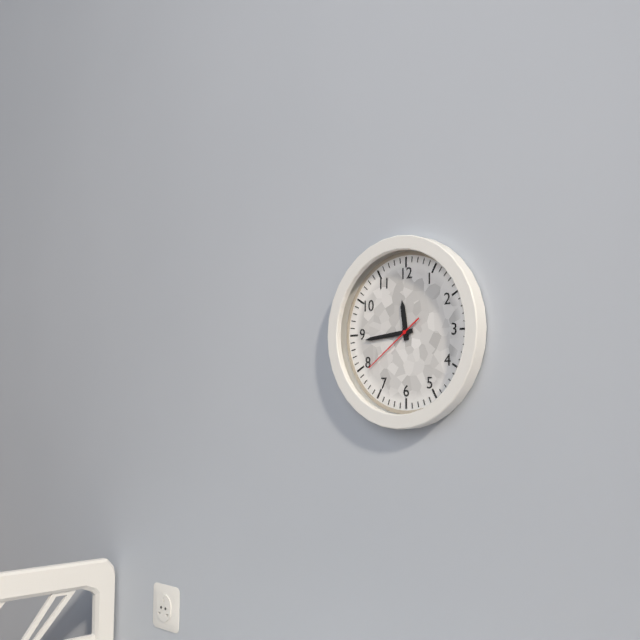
{"hour": 11, "minute": 44, "second": 39}
